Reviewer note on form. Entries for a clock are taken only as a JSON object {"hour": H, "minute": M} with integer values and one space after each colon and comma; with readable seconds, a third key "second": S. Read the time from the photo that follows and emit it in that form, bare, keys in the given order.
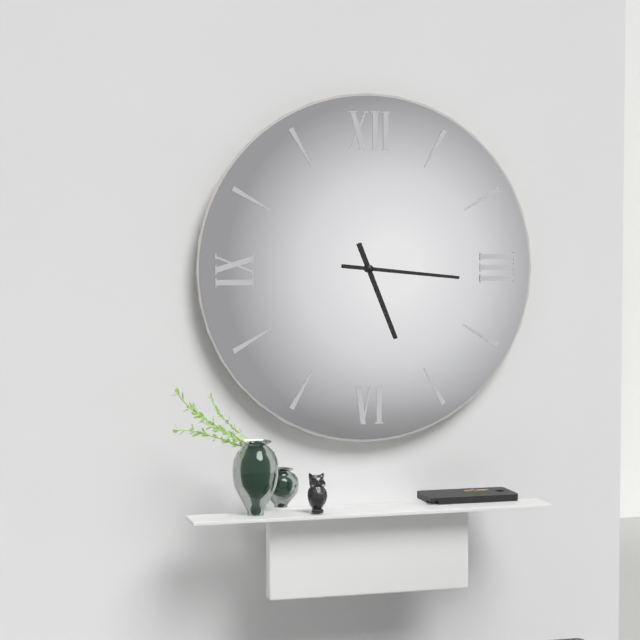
{"hour": 5, "minute": 16}
